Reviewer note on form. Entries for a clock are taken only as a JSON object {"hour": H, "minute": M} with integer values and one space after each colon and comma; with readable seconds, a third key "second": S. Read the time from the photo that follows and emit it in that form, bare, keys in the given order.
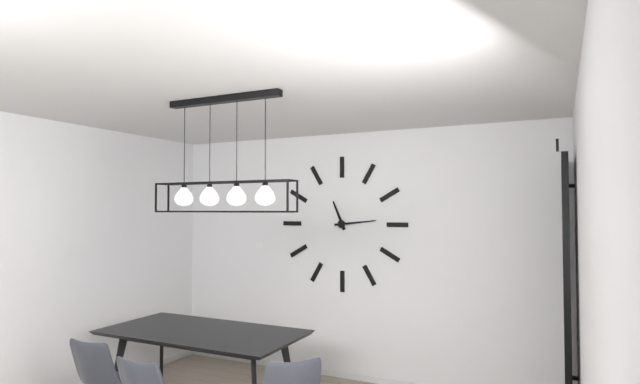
{"hour": 11, "minute": 14}
